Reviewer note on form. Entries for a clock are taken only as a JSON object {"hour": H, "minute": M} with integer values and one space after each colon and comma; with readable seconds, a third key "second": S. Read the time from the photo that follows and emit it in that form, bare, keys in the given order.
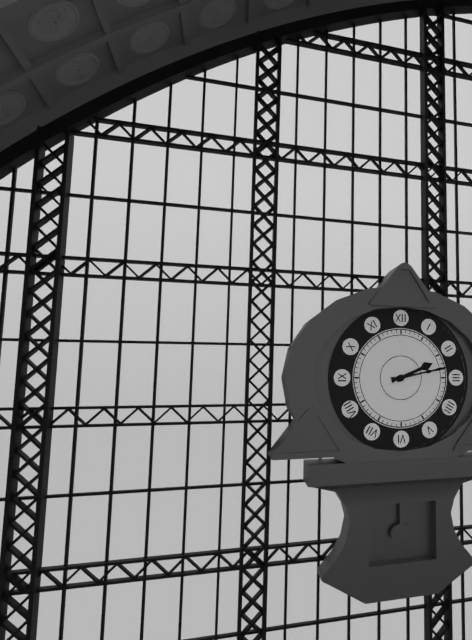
{"hour": 2, "minute": 13}
